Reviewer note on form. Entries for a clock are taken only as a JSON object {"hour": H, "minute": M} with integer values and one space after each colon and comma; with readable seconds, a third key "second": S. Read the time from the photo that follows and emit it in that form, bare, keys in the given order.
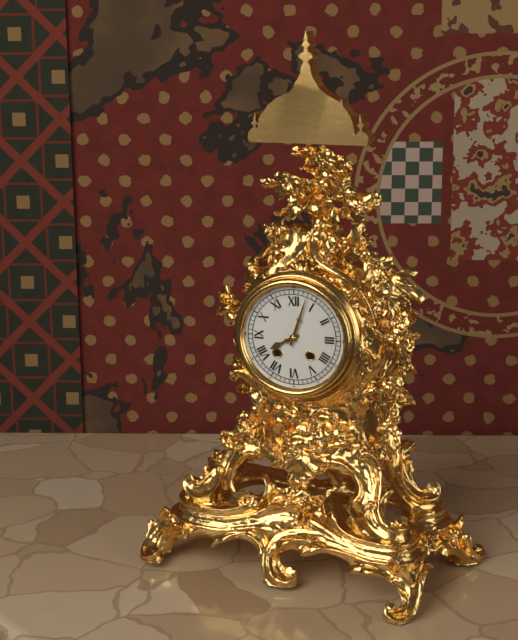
{"hour": 8, "minute": 3}
